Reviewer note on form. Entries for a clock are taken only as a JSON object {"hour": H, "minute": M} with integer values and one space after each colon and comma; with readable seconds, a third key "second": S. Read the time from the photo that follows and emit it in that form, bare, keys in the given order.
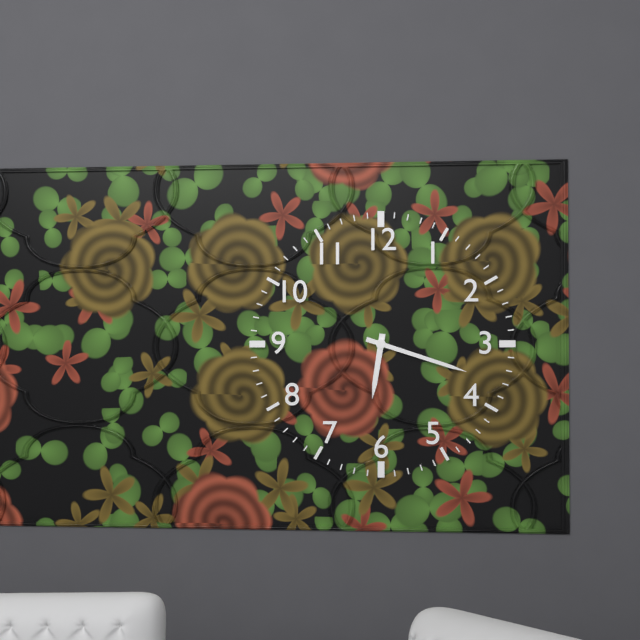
{"hour": 6, "minute": 18}
